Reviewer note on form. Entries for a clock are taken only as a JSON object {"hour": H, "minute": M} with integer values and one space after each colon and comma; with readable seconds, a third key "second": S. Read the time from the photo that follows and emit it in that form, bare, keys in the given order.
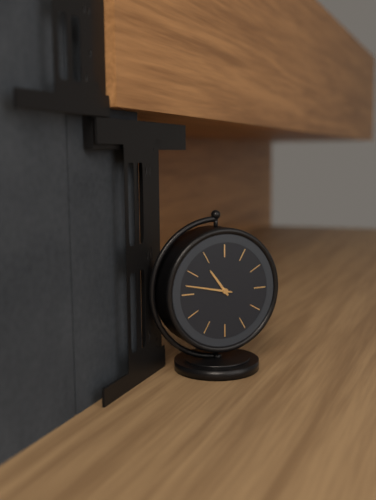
{"hour": 10, "minute": 47}
